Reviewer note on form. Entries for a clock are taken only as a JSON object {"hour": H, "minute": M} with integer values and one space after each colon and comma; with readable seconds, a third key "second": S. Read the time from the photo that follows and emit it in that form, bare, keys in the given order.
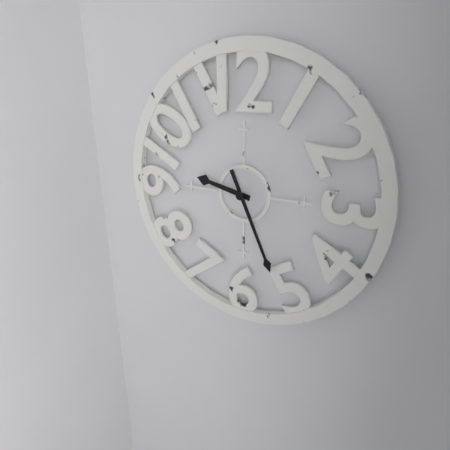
{"hour": 9, "minute": 26}
